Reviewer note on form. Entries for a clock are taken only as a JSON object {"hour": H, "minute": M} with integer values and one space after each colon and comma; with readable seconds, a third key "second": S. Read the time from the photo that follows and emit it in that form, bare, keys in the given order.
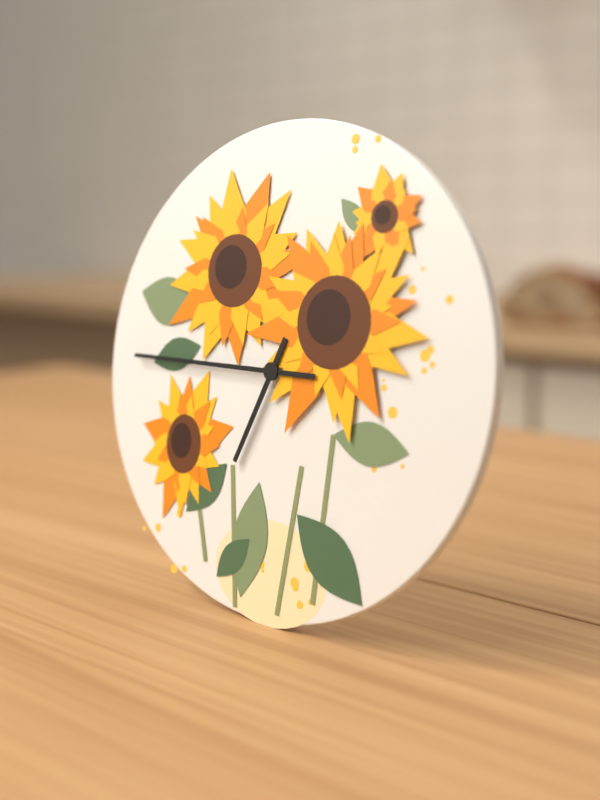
{"hour": 6, "minute": 45}
